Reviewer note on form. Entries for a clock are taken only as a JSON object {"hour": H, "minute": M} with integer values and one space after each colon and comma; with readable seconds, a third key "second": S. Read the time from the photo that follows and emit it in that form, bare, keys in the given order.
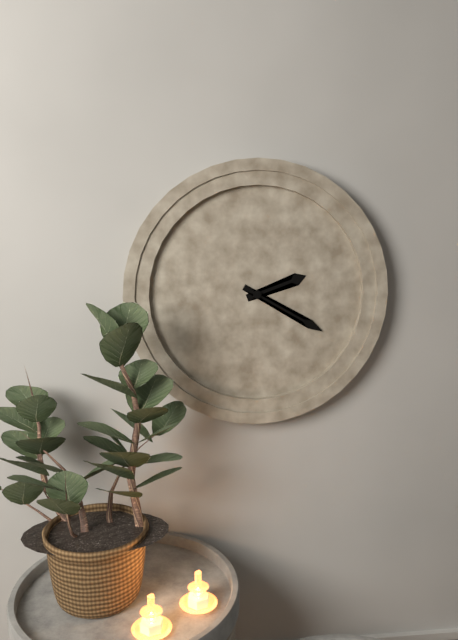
{"hour": 2, "minute": 20}
